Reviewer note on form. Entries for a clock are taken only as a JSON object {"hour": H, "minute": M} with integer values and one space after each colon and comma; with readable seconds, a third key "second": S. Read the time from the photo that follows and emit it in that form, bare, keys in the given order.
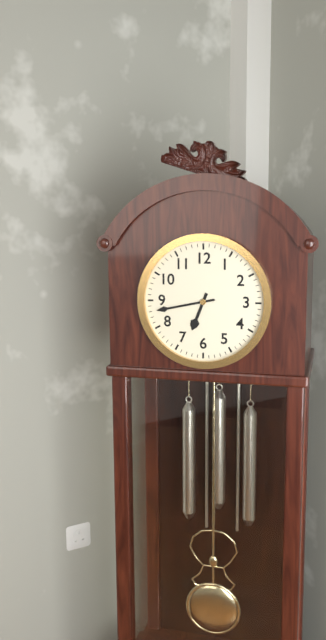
{"hour": 6, "minute": 43}
